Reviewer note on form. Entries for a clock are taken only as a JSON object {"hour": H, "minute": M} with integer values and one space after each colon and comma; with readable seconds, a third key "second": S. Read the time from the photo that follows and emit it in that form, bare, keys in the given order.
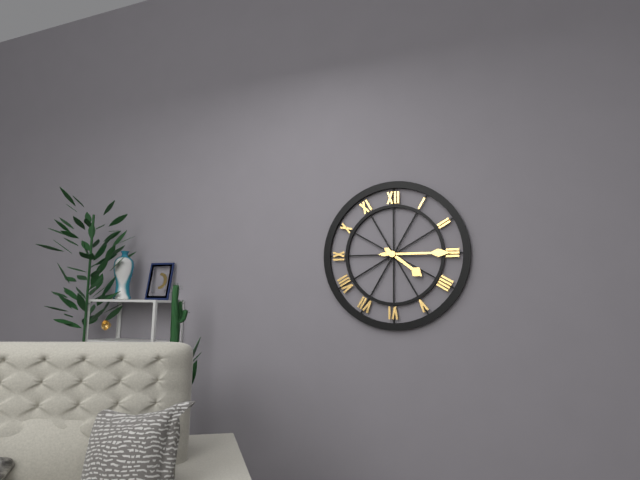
{"hour": 4, "minute": 15}
